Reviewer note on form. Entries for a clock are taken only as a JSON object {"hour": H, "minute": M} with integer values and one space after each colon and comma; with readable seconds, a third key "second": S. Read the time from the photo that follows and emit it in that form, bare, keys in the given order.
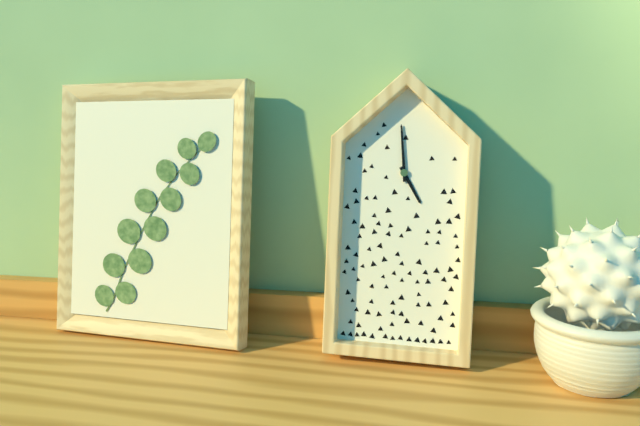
{"hour": 4, "minute": 59}
